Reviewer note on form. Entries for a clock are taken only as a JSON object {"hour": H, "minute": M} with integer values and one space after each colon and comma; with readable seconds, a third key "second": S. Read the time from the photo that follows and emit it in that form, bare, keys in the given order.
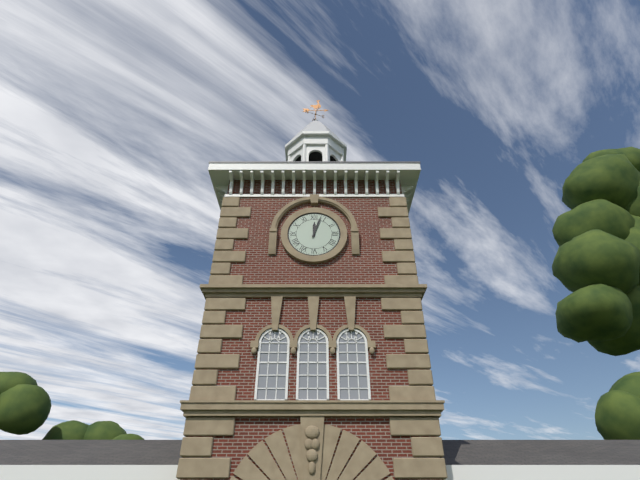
{"hour": 12, "minute": 3}
